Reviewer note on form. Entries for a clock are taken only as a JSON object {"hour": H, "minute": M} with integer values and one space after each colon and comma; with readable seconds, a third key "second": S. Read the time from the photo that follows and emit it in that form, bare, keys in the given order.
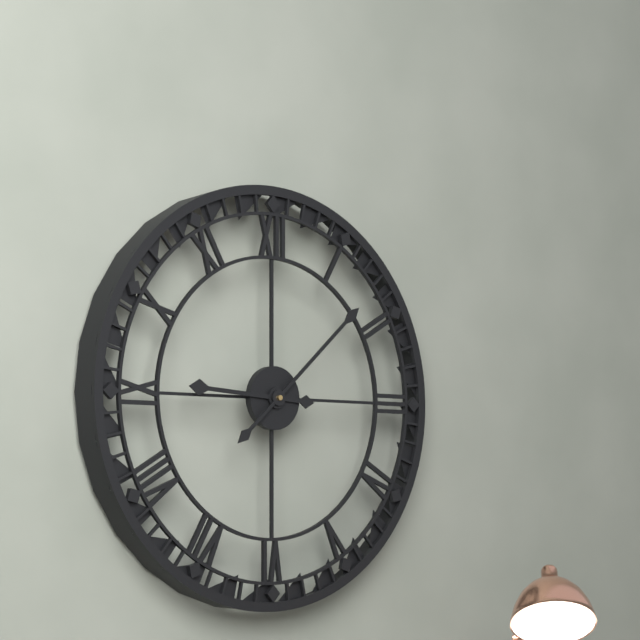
{"hour": 9, "minute": 8}
